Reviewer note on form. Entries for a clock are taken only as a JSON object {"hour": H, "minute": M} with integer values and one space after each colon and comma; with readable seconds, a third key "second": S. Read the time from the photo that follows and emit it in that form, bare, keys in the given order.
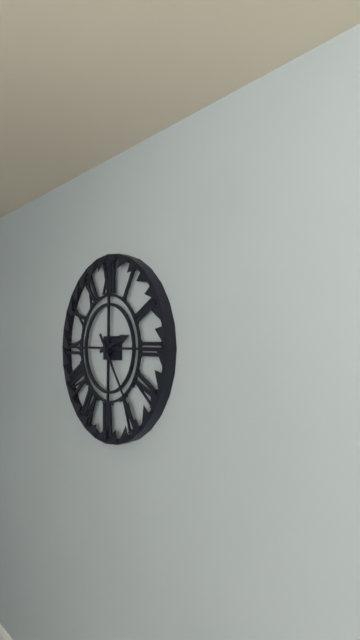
{"hour": 2, "minute": 24}
